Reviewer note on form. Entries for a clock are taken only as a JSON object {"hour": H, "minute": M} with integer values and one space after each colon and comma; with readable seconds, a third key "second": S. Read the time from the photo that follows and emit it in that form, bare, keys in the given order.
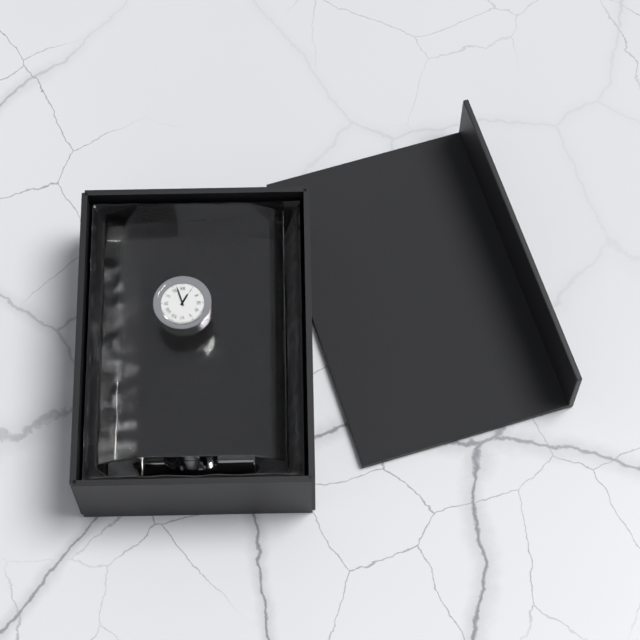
{"hour": 12, "minute": 57}
